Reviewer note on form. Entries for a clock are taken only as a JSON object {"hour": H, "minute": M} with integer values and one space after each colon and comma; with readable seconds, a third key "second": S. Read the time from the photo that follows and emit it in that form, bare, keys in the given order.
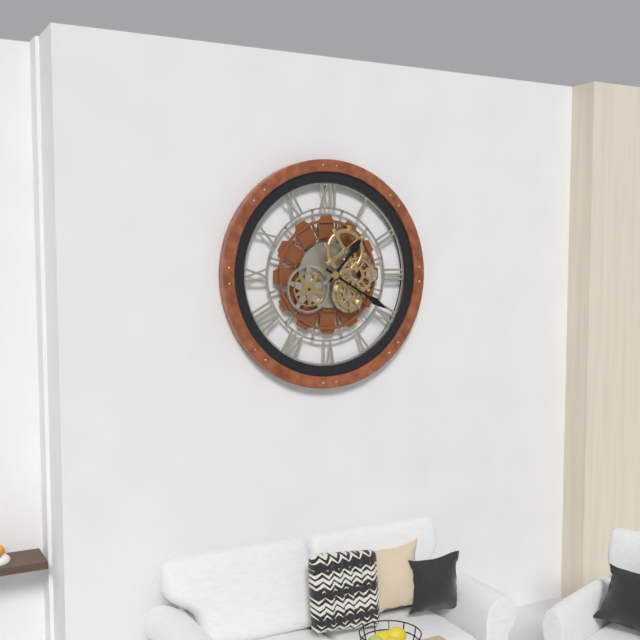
{"hour": 1, "minute": 20}
